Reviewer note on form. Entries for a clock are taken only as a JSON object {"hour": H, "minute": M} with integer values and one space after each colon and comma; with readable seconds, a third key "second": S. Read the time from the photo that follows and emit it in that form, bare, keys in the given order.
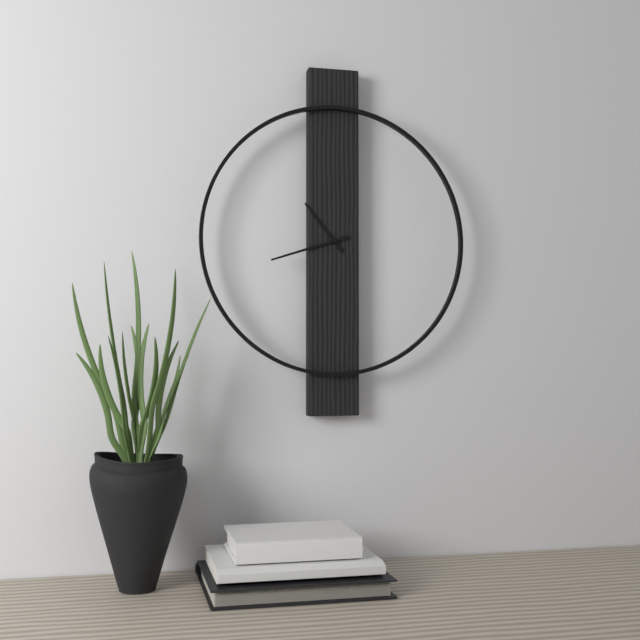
{"hour": 10, "minute": 42}
